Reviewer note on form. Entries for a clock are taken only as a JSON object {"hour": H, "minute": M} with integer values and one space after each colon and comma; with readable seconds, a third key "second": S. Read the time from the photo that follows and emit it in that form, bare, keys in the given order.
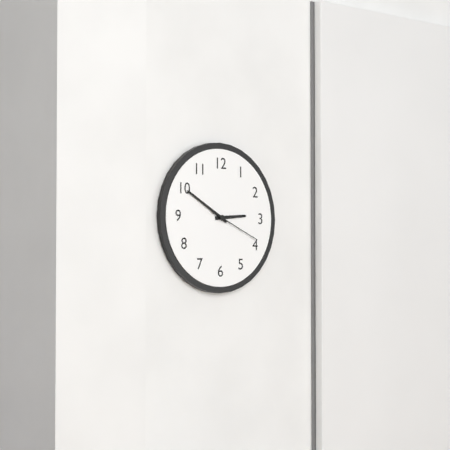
{"hour": 2, "minute": 50, "second": 19}
